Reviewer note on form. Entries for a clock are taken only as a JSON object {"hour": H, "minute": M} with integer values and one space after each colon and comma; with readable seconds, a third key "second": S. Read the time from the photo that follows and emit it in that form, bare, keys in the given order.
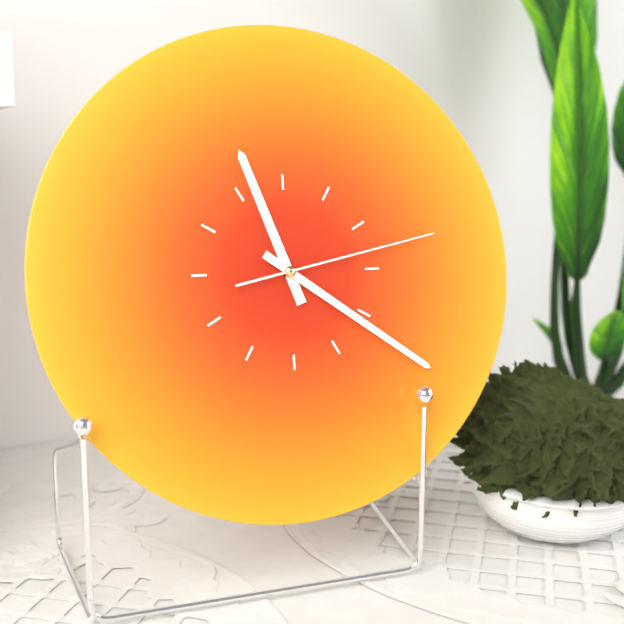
{"hour": 11, "minute": 21, "second": 13}
